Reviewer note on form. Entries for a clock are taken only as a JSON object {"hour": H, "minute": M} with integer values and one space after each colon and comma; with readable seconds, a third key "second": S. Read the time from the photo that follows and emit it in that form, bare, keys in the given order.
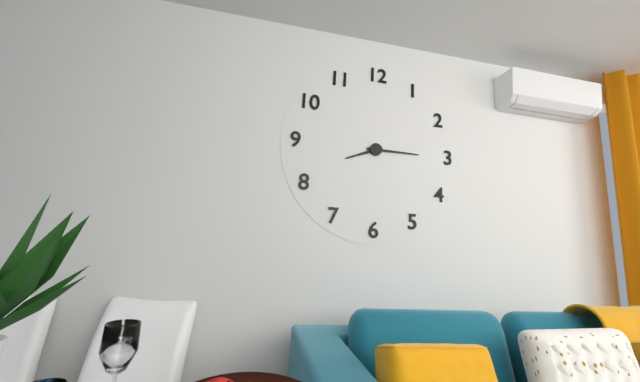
{"hour": 8, "minute": 15}
